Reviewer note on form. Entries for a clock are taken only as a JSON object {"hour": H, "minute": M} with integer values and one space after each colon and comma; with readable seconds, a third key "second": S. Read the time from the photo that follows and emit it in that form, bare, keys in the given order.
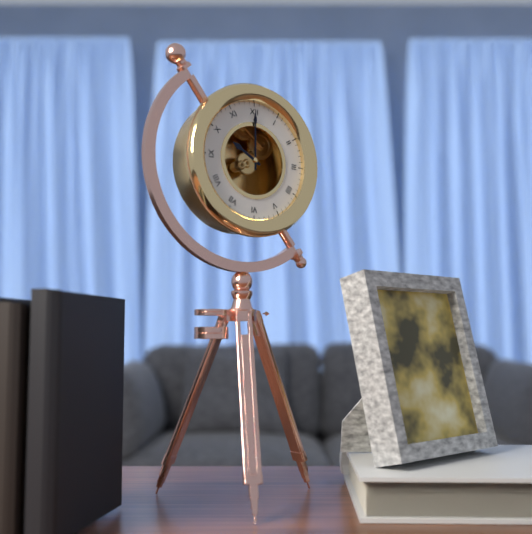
{"hour": 10, "minute": 0}
